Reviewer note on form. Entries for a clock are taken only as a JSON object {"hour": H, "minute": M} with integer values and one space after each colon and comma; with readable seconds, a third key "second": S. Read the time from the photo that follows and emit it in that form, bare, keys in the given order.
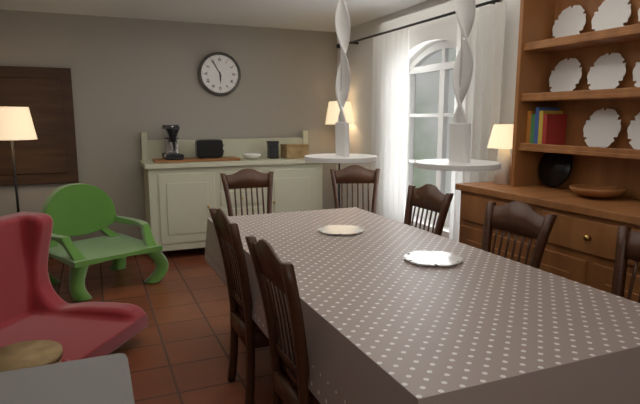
{"hour": 5, "minute": 55}
